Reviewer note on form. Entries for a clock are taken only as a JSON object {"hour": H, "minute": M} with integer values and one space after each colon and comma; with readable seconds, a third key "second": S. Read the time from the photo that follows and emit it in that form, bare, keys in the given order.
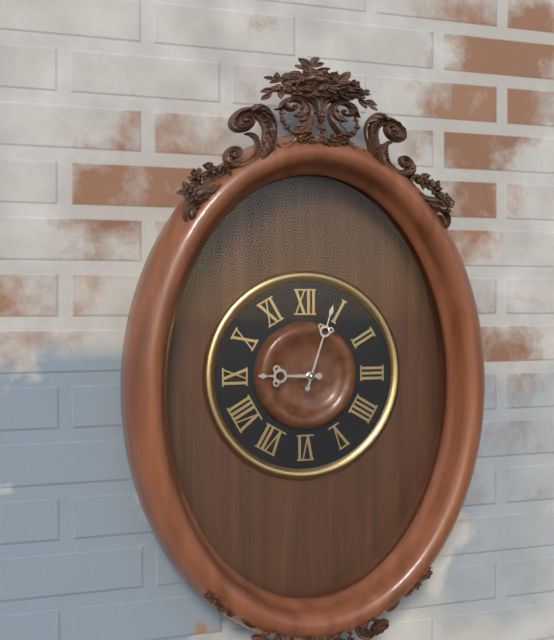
{"hour": 9, "minute": 3}
